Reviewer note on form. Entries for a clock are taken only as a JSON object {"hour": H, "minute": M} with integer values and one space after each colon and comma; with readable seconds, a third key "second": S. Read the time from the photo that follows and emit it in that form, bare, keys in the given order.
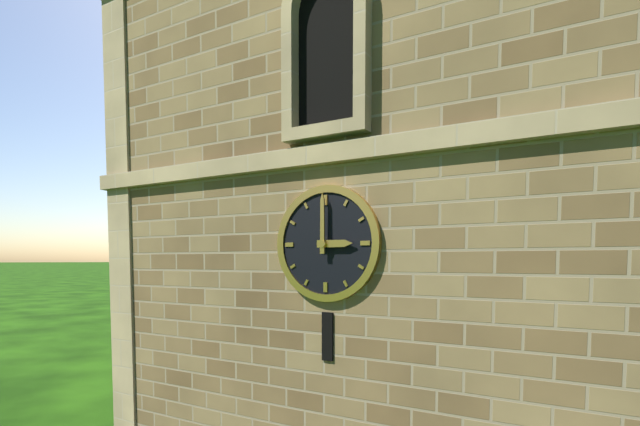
{"hour": 3, "minute": 0}
